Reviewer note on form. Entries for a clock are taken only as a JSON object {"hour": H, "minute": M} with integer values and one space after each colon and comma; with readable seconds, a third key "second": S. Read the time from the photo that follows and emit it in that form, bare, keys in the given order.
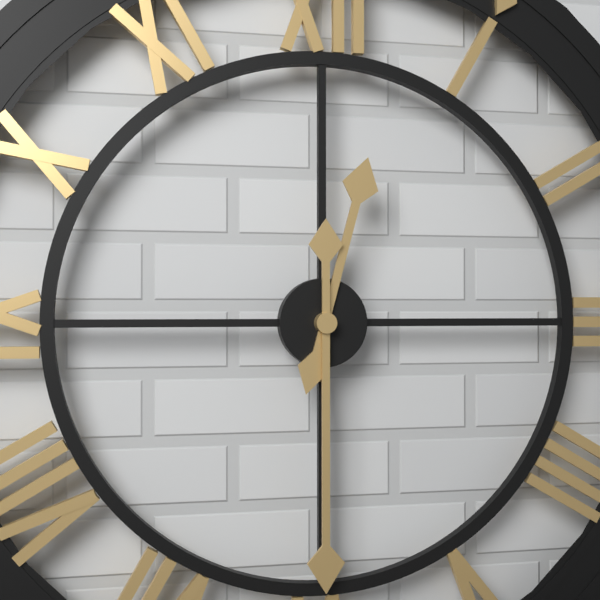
{"hour": 12, "minute": 30}
